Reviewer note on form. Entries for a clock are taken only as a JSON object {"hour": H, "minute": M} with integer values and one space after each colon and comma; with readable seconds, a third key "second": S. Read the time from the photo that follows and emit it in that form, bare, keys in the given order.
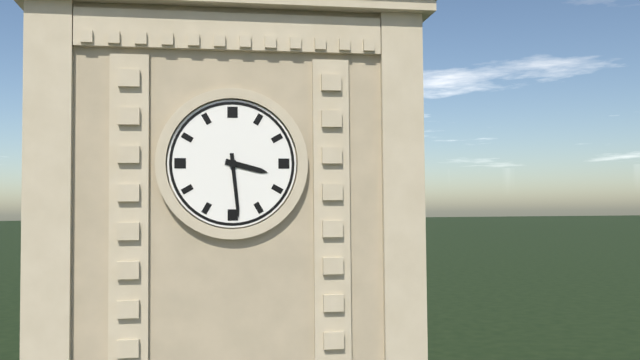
{"hour": 3, "minute": 29}
